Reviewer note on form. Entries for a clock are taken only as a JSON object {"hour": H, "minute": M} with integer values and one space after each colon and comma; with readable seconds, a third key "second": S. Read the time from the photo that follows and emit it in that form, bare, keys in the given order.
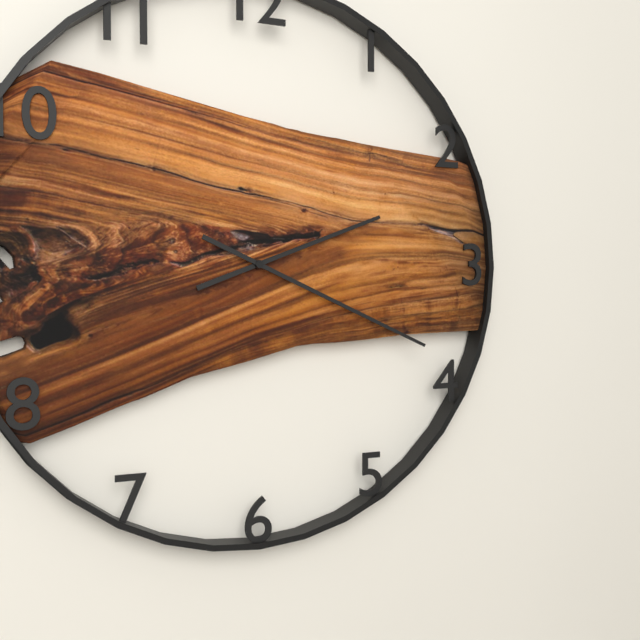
{"hour": 2, "minute": 19}
